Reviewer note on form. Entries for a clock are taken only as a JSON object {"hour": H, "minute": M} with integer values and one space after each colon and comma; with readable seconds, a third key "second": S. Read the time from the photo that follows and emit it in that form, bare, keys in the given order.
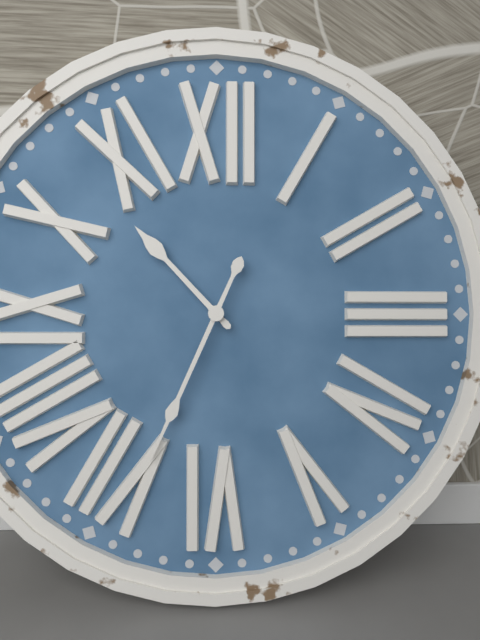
{"hour": 10, "minute": 34}
